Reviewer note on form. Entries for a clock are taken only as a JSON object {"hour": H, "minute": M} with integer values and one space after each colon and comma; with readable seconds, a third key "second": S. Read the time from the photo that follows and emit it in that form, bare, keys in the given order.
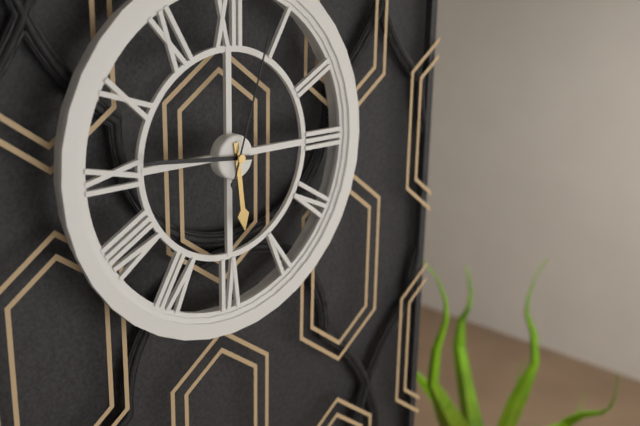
{"hour": 5, "minute": 46, "second": 3}
